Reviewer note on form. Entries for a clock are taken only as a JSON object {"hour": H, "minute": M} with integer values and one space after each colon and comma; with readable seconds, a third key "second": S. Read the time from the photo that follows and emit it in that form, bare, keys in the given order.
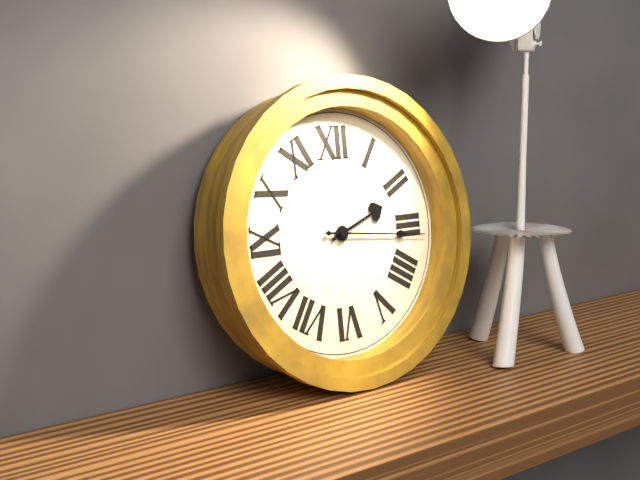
{"hour": 2, "minute": 16}
